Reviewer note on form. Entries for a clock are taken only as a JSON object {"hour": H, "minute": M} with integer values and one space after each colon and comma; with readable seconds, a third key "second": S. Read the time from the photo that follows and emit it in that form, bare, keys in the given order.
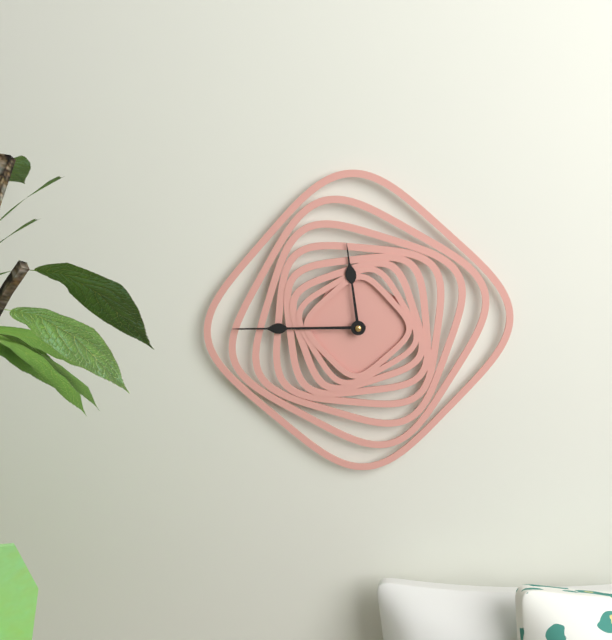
{"hour": 11, "minute": 45}
